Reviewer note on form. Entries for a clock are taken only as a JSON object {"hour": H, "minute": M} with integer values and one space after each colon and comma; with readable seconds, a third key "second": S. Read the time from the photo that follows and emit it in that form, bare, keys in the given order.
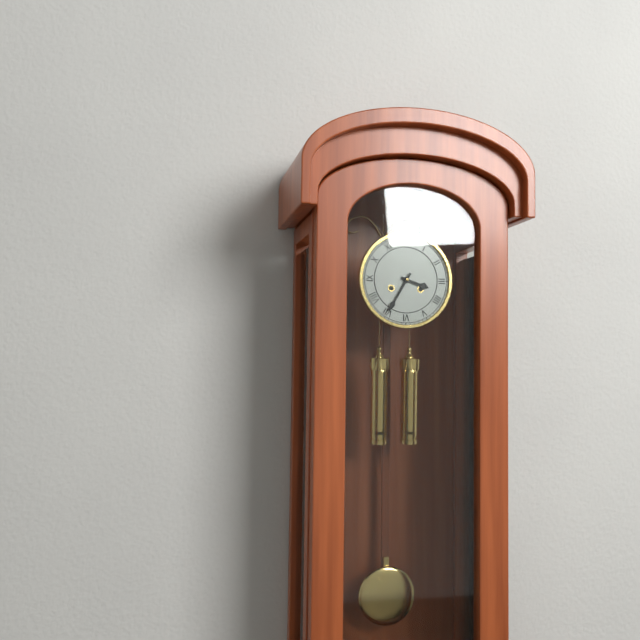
{"hour": 3, "minute": 35}
